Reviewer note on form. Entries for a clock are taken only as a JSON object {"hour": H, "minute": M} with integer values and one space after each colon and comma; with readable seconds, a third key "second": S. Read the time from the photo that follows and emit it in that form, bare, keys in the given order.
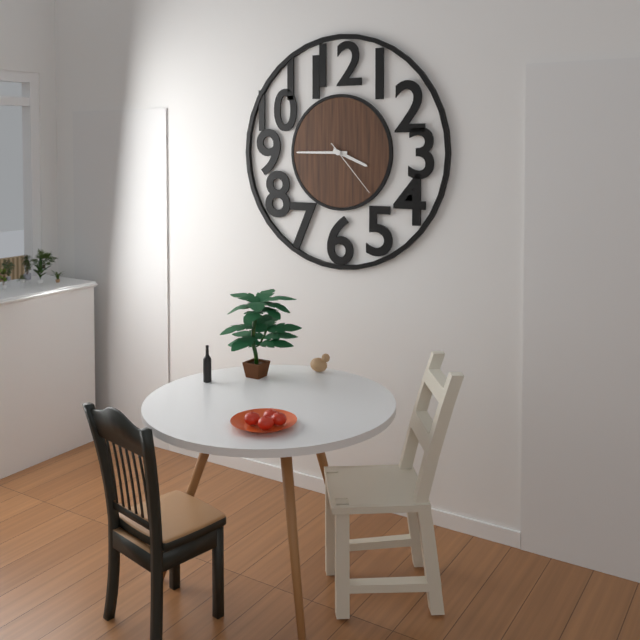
{"hour": 3, "minute": 45, "second": 23}
